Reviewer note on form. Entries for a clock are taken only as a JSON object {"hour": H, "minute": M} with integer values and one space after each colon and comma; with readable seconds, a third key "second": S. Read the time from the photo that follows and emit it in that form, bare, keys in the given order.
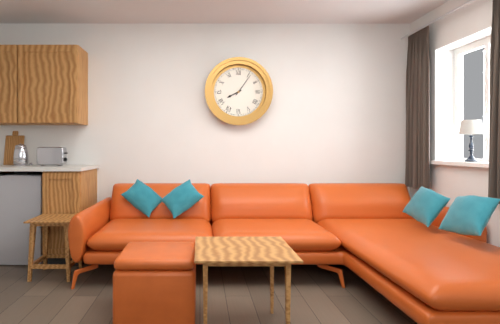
{"hour": 8, "minute": 6}
